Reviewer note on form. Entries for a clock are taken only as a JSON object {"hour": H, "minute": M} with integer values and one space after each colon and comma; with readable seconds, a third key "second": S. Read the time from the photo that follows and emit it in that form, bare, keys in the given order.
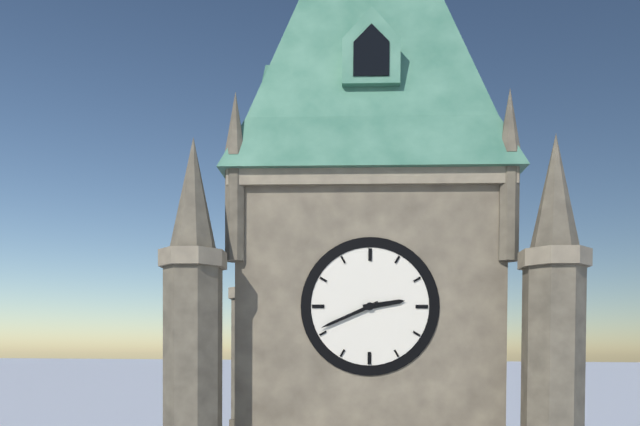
{"hour": 2, "minute": 41}
